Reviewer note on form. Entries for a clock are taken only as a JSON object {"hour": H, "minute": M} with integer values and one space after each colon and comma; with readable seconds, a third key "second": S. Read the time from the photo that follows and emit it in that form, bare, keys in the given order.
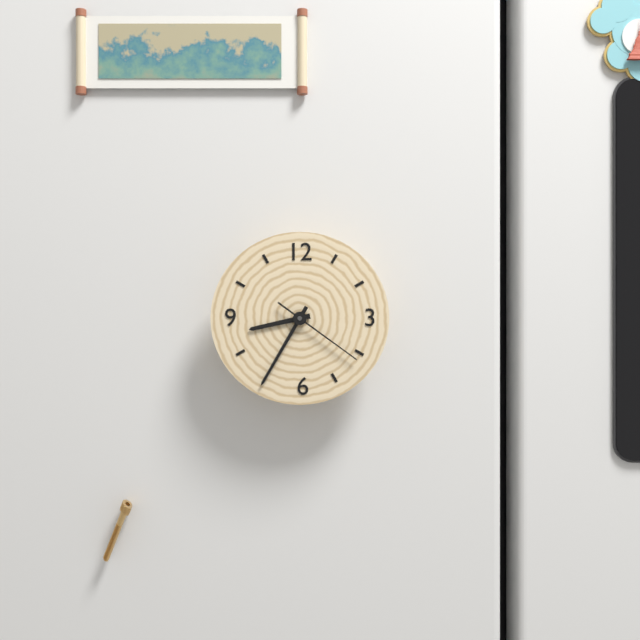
{"hour": 8, "minute": 35, "second": 21}
